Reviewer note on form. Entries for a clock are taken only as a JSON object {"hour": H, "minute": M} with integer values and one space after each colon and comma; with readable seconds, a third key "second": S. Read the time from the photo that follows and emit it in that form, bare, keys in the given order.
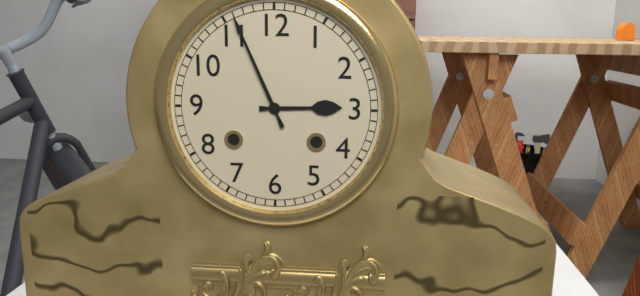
{"hour": 2, "minute": 56}
